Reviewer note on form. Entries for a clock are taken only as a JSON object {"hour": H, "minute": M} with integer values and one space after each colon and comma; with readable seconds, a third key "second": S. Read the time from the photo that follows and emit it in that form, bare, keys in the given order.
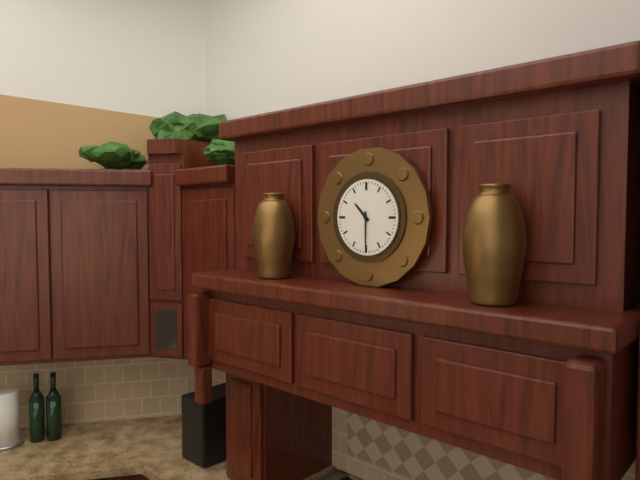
{"hour": 10, "minute": 30}
